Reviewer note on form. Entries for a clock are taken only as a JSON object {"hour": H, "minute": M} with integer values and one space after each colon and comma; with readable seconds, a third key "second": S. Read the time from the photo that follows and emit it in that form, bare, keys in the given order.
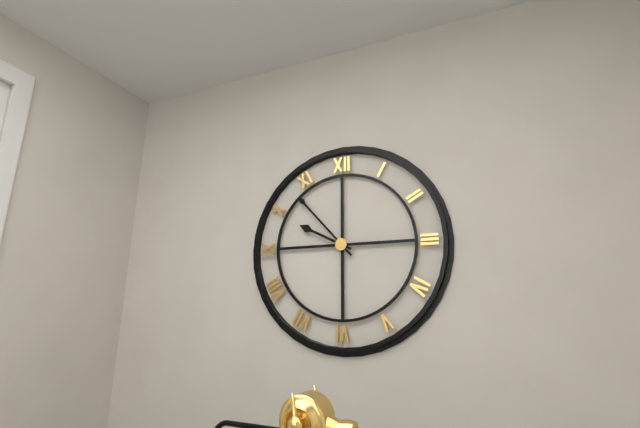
{"hour": 9, "minute": 53}
